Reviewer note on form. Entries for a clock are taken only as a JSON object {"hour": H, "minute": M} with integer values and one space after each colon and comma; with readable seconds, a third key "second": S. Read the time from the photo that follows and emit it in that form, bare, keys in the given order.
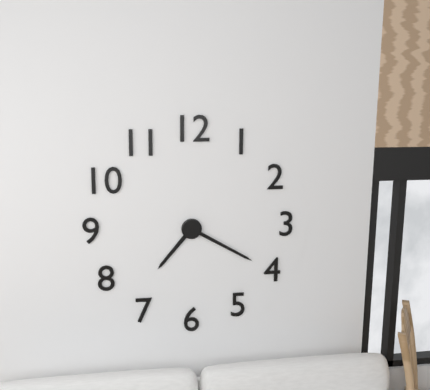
{"hour": 7, "minute": 20}
